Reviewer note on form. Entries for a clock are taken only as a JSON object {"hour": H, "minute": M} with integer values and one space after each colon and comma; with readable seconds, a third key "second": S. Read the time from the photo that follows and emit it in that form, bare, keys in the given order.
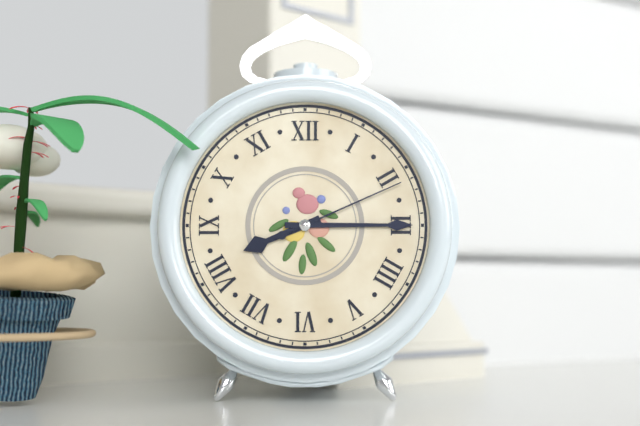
{"hour": 8, "minute": 15, "second": 11}
